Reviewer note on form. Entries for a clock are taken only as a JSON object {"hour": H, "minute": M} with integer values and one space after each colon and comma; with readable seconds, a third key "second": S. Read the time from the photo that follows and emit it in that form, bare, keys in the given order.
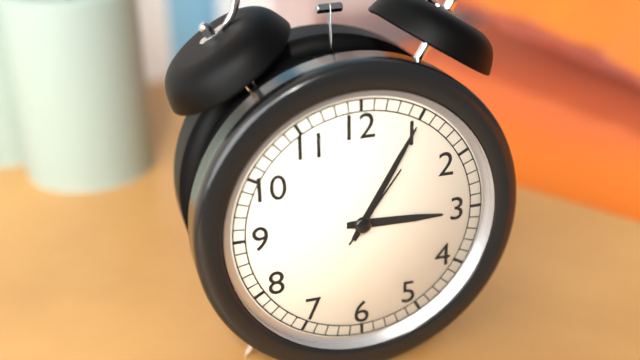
{"hour": 3, "minute": 5, "second": 6}
